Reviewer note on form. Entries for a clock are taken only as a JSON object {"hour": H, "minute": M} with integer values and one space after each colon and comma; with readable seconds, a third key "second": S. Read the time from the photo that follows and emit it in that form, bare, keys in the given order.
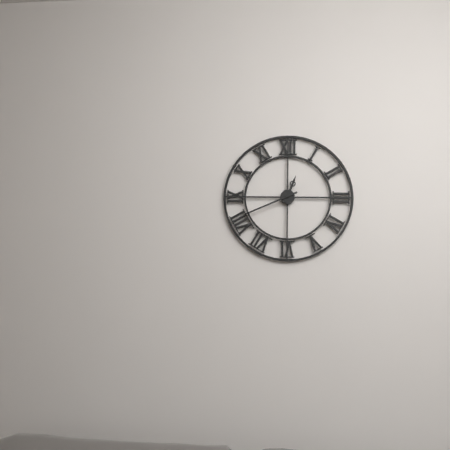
{"hour": 12, "minute": 41}
